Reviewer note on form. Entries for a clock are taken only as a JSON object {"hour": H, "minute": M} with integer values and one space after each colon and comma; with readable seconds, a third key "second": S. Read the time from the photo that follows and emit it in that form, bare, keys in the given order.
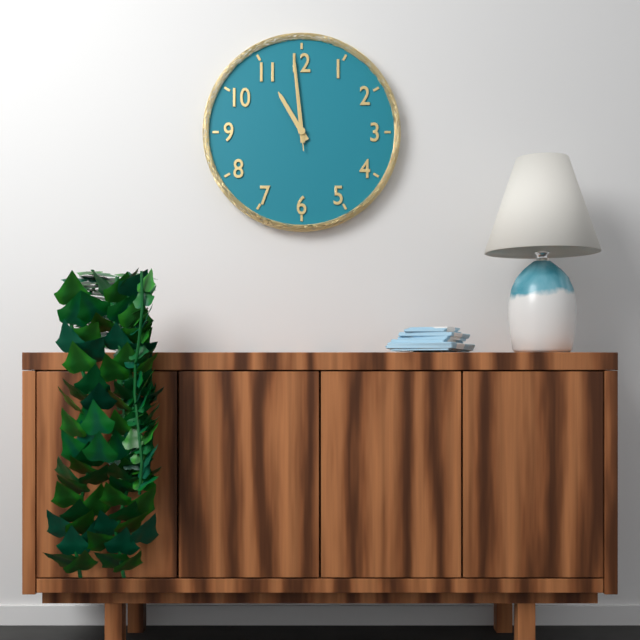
{"hour": 10, "minute": 59, "second": 59}
